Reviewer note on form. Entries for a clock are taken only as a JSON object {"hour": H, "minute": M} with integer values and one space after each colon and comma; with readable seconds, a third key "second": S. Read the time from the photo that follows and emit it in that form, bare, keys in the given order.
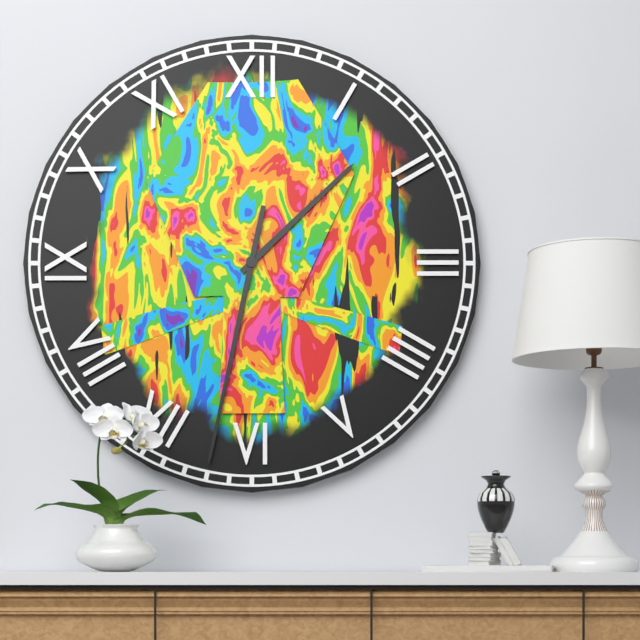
{"hour": 1, "minute": 32}
